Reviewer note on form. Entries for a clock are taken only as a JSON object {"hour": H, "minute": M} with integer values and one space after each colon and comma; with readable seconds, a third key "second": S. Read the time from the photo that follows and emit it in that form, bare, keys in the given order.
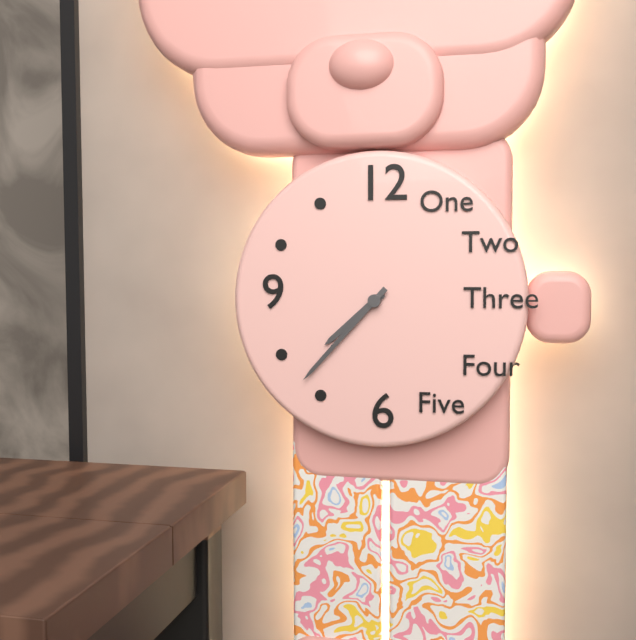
{"hour": 7, "minute": 37}
